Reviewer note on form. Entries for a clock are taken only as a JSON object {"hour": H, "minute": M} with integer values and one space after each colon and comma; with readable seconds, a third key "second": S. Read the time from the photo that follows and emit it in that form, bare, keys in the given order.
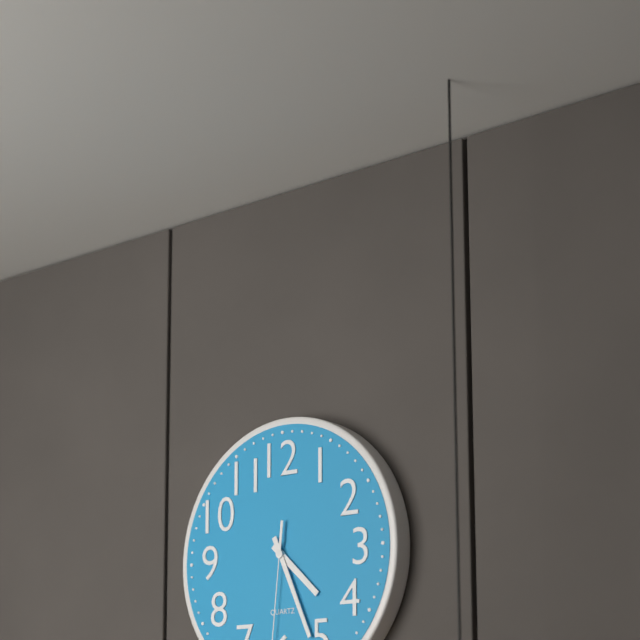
{"hour": 4, "minute": 26}
